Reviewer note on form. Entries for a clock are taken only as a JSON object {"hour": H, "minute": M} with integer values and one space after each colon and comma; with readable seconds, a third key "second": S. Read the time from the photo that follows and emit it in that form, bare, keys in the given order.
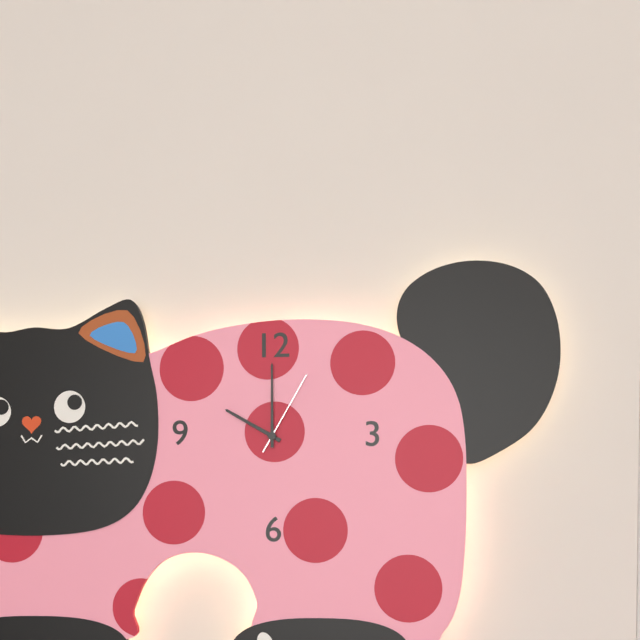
{"hour": 10, "minute": 0, "second": 5}
